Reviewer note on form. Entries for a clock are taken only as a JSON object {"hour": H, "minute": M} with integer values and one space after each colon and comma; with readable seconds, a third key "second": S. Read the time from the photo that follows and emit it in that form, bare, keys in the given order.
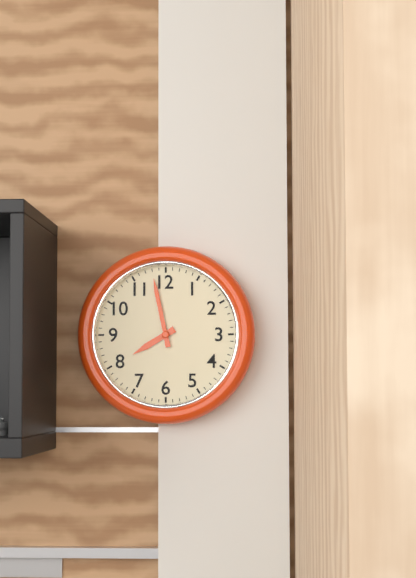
{"hour": 7, "minute": 58}
